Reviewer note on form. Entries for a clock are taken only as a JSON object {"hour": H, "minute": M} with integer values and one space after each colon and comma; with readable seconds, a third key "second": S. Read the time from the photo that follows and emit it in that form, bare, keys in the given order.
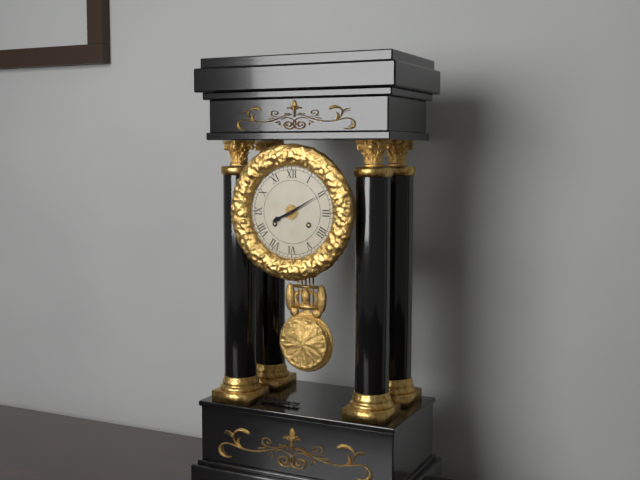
{"hour": 8, "minute": 10}
